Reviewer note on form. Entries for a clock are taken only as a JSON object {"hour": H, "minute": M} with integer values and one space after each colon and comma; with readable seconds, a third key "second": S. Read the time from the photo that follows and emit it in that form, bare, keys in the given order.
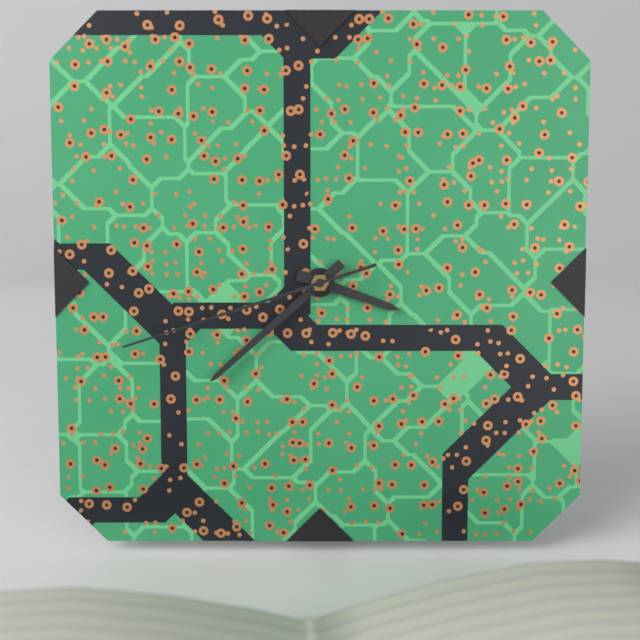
{"hour": 3, "minute": 38, "second": 42}
